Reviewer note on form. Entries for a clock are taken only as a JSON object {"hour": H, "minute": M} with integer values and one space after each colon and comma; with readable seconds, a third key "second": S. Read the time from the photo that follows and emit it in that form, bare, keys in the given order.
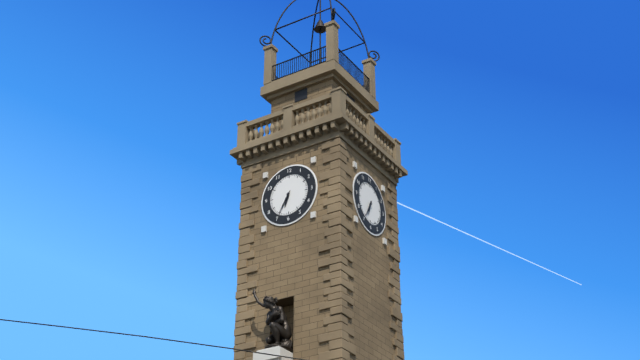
{"hour": 6, "minute": 35}
